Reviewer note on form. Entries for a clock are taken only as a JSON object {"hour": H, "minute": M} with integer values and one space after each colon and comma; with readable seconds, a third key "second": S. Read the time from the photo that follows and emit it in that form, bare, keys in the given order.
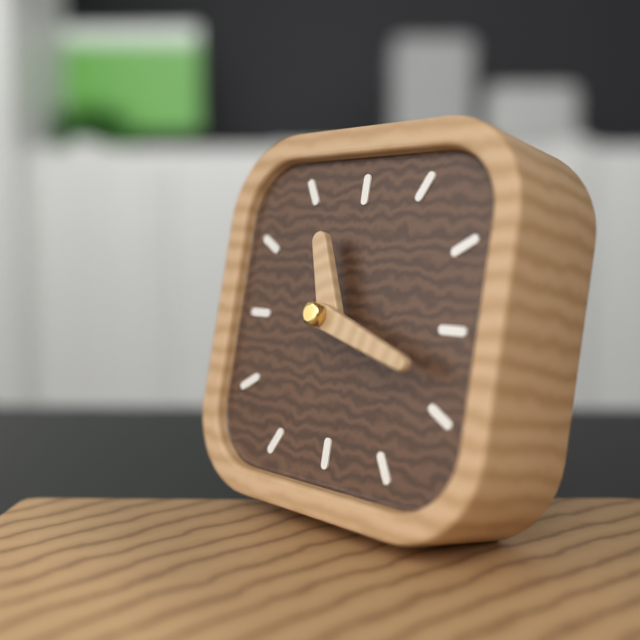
{"hour": 11, "minute": 18}
